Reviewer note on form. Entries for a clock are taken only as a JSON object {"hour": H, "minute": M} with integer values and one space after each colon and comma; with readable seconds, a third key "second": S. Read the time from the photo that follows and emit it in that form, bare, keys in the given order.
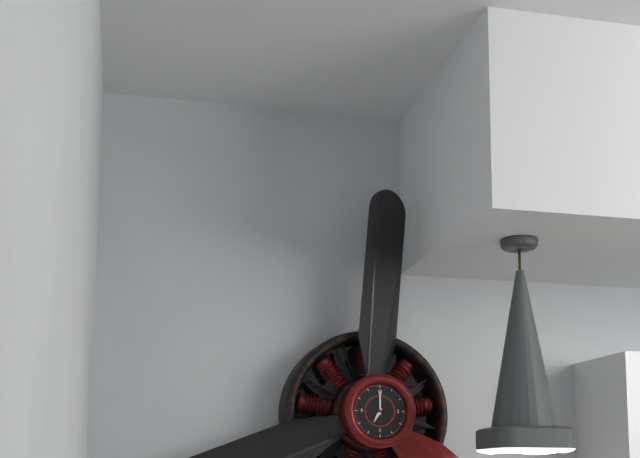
{"hour": 7, "minute": 0}
